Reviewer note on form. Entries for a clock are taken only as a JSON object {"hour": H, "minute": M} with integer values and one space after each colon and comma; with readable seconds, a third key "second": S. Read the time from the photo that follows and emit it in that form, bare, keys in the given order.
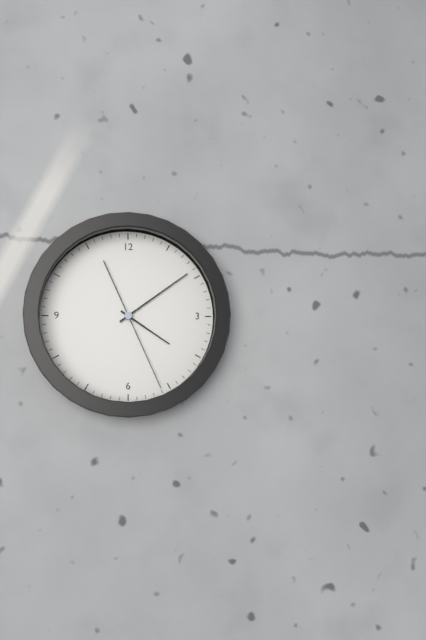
{"hour": 4, "minute": 9, "second": 26}
